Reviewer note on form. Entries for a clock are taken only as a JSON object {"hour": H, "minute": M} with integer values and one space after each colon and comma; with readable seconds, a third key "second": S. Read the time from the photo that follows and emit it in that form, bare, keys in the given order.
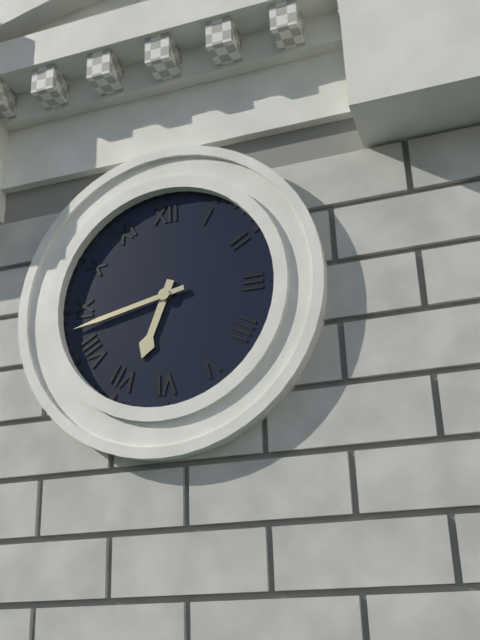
{"hour": 6, "minute": 43}
